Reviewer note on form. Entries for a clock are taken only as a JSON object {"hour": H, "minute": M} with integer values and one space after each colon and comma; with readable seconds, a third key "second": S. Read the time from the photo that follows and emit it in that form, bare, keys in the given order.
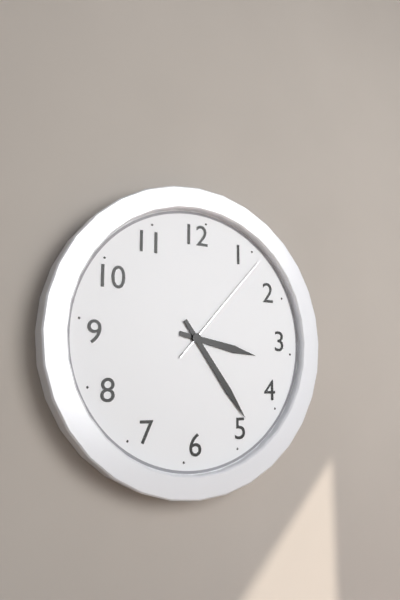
{"hour": 3, "minute": 24, "second": 7}
